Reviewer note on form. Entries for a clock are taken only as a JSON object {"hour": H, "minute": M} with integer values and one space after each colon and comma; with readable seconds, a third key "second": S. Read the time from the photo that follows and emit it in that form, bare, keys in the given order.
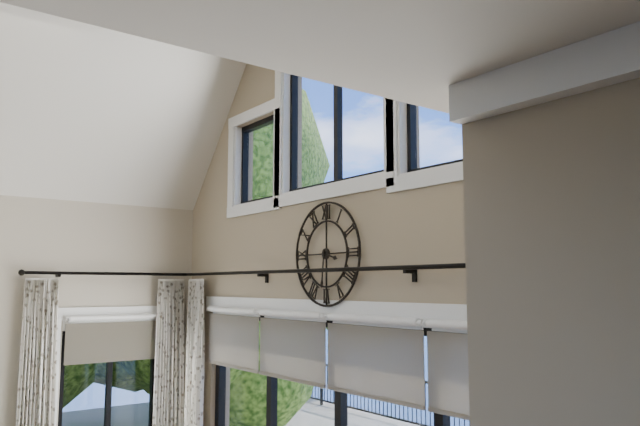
{"hour": 3, "minute": 31}
